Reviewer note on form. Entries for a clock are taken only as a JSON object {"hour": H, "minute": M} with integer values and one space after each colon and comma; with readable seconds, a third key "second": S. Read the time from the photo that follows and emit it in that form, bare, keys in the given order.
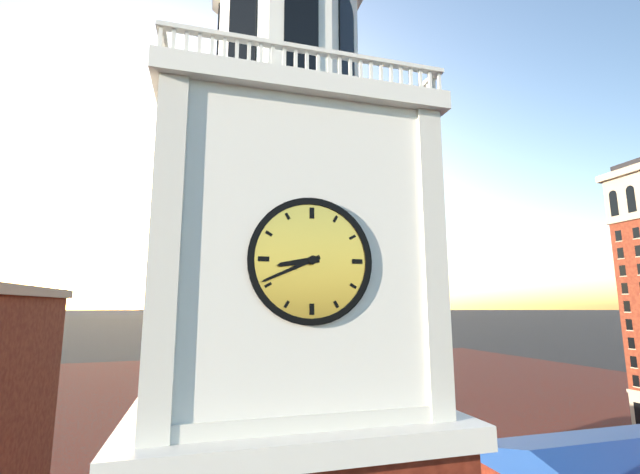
{"hour": 8, "minute": 41}
